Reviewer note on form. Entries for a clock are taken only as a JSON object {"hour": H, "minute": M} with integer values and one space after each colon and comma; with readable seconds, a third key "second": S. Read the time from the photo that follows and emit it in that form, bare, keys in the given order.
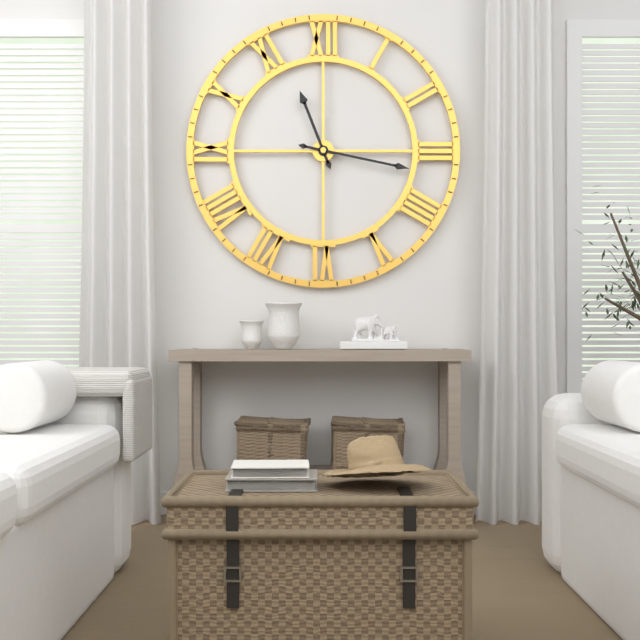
{"hour": 11, "minute": 17}
